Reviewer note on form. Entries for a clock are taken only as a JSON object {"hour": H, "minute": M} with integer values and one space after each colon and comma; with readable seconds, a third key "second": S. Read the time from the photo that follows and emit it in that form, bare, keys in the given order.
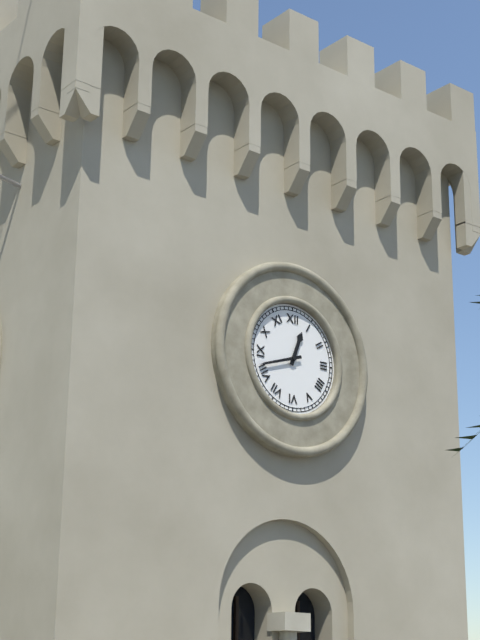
{"hour": 12, "minute": 42}
